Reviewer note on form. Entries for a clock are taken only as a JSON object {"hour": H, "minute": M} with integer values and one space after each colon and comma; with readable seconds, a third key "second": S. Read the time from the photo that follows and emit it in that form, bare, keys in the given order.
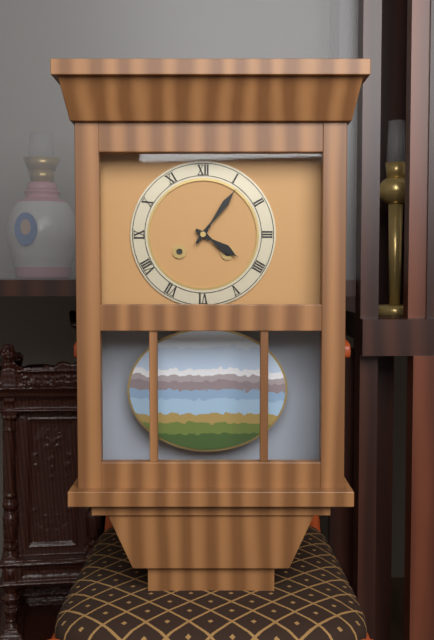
{"hour": 4, "minute": 6}
